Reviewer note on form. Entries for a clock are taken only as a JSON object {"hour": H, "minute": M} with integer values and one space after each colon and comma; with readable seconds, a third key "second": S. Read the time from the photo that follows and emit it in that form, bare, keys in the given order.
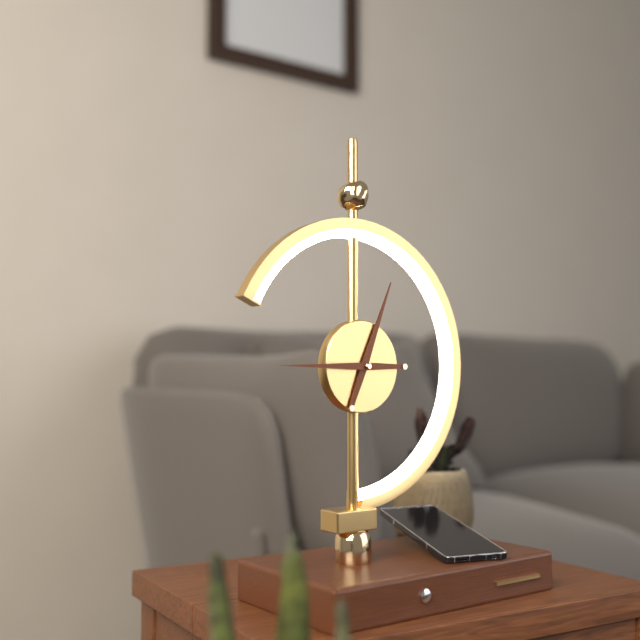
{"hour": 12, "minute": 45}
